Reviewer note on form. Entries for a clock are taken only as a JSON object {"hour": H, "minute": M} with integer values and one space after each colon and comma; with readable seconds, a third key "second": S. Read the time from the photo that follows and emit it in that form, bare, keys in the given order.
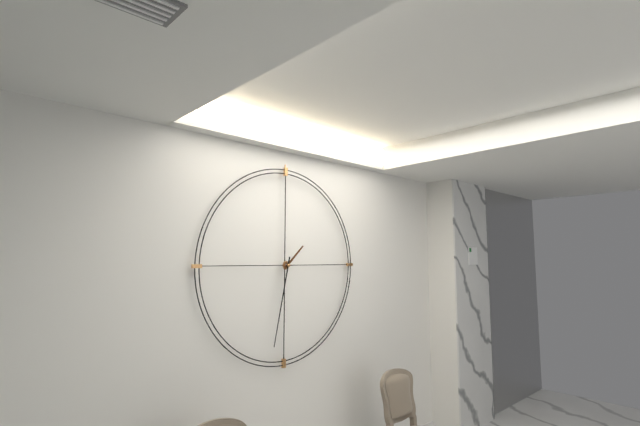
{"hour": 1, "minute": 32}
